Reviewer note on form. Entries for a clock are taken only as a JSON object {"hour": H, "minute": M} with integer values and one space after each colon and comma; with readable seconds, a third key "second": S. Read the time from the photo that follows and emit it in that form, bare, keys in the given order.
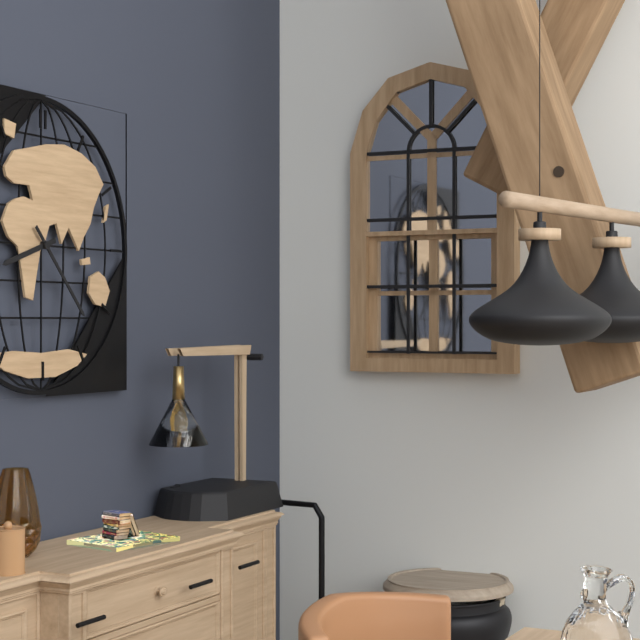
{"hour": 8, "minute": 23}
